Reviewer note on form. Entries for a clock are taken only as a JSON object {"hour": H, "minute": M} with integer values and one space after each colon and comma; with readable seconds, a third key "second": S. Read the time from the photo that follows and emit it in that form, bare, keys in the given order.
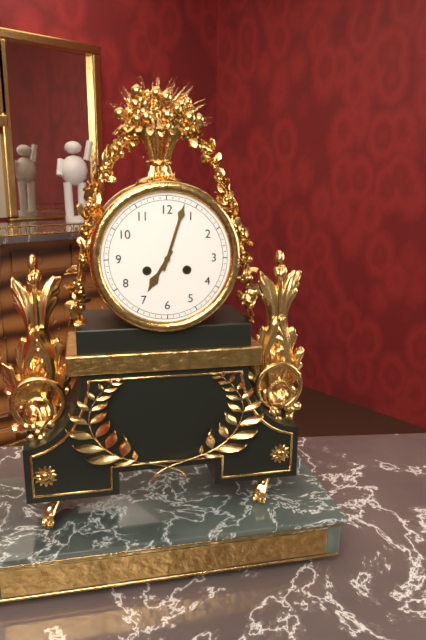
{"hour": 7, "minute": 3}
